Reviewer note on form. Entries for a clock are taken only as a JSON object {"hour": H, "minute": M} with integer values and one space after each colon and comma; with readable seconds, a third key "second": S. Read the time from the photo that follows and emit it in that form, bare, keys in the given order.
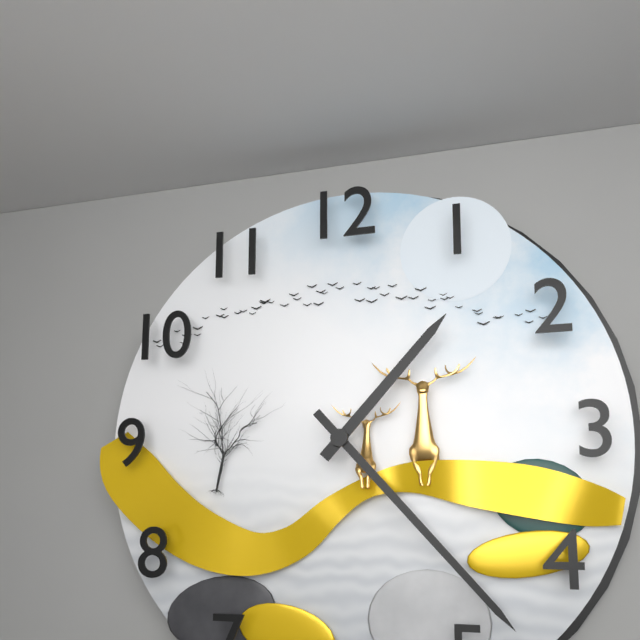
{"hour": 1, "minute": 23}
